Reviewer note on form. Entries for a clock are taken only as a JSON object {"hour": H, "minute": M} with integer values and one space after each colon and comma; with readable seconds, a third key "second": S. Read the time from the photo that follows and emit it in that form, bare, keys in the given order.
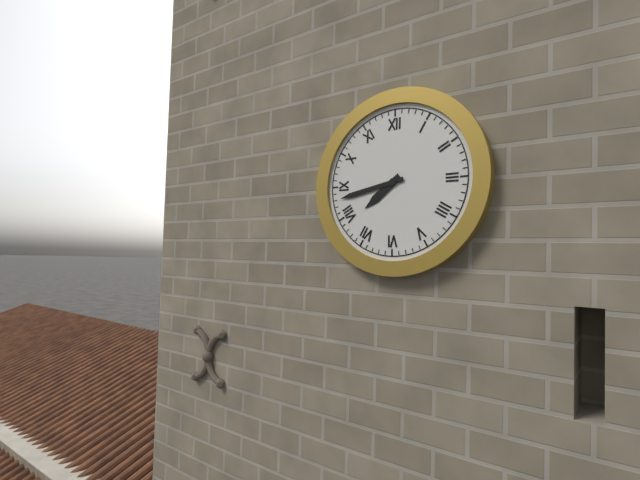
{"hour": 7, "minute": 43}
